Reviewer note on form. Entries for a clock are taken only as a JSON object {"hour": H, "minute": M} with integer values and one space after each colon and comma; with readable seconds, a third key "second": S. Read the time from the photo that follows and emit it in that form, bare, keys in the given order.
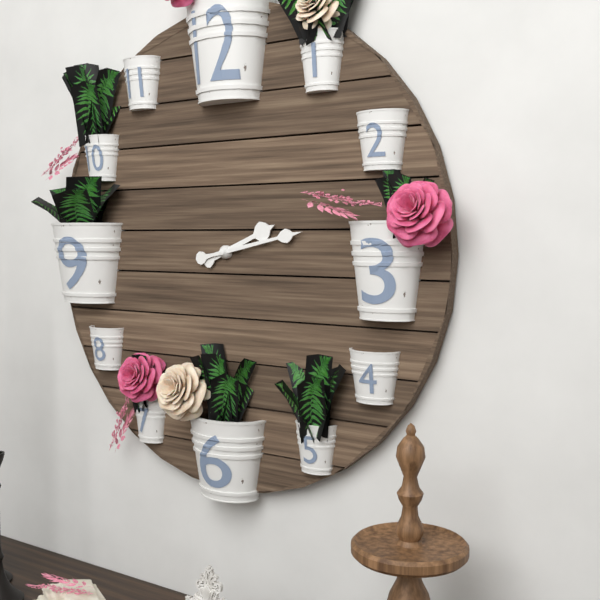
{"hour": 2, "minute": 13}
